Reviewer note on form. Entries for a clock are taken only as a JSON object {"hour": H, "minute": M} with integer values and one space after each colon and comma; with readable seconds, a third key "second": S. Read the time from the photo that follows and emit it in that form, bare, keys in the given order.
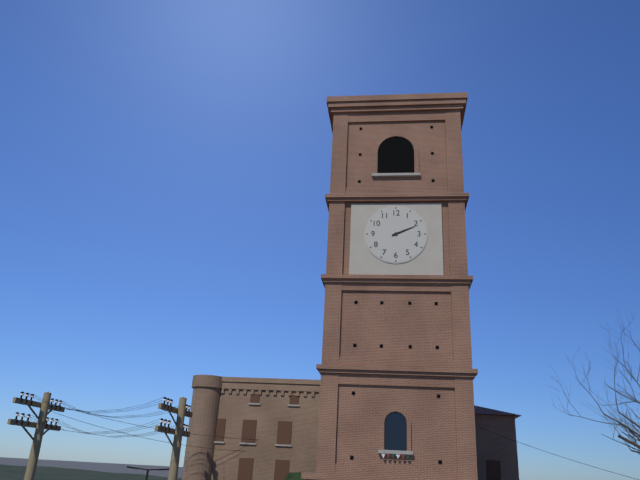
{"hour": 2, "minute": 11}
